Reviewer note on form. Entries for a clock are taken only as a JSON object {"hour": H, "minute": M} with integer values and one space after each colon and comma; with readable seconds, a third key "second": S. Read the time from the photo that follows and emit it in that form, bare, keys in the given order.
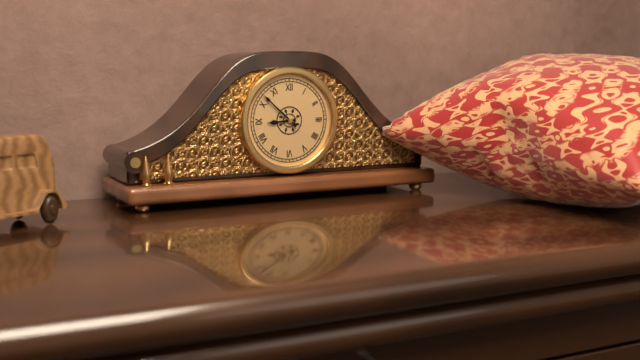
{"hour": 8, "minute": 52}
